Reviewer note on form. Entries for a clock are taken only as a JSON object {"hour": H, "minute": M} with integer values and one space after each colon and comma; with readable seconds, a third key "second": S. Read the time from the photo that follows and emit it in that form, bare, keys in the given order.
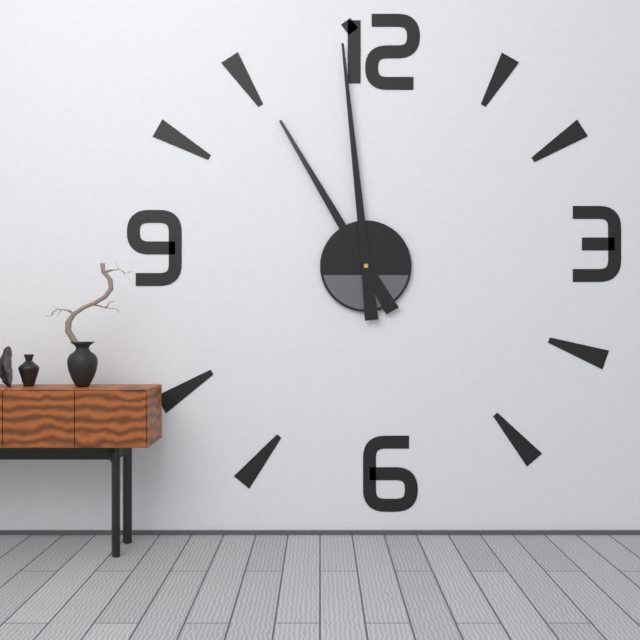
{"hour": 10, "minute": 59}
